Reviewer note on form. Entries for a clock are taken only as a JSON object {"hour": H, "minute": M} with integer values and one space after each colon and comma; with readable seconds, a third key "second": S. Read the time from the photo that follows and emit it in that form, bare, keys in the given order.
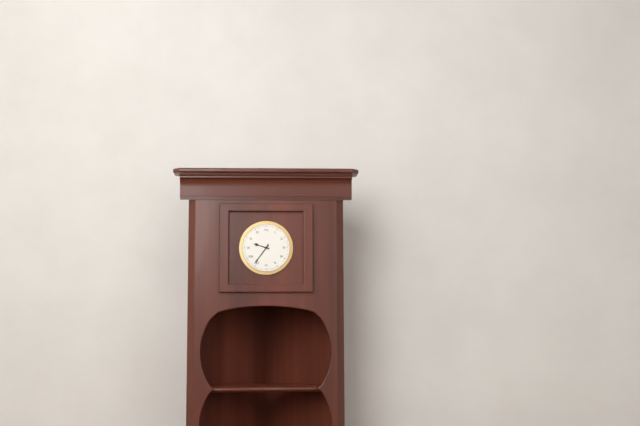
{"hour": 9, "minute": 36}
